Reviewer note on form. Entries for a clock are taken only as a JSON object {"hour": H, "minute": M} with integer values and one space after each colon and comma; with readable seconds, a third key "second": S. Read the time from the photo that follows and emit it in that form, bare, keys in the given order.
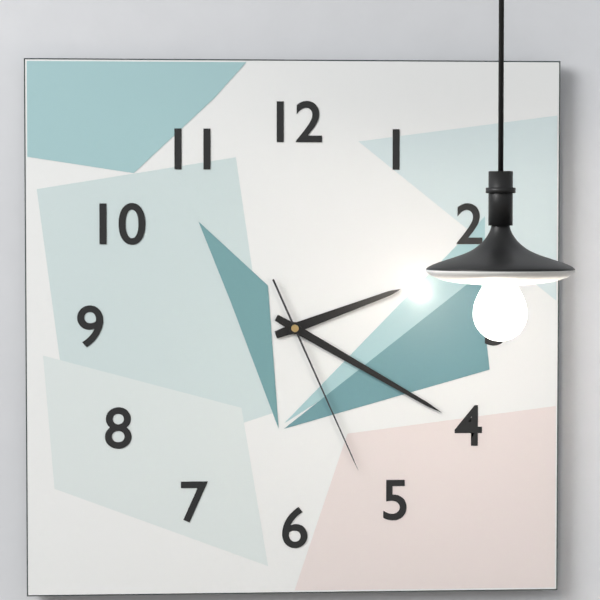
{"hour": 2, "minute": 20, "second": 26}
